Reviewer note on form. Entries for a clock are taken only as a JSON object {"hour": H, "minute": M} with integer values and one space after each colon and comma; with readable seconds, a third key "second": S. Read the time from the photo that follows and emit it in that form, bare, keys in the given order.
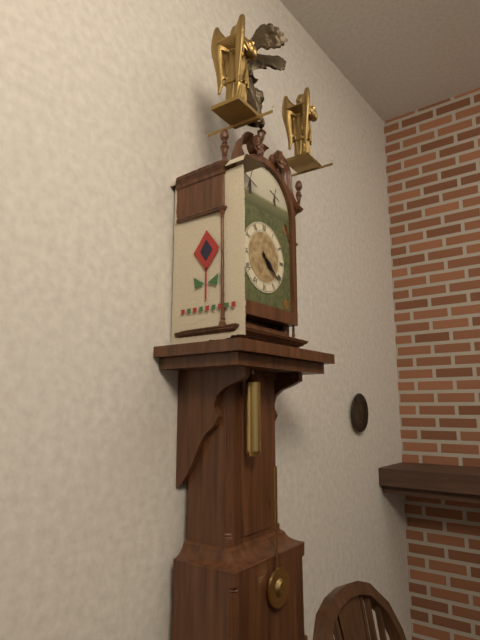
{"hour": 4, "minute": 22}
